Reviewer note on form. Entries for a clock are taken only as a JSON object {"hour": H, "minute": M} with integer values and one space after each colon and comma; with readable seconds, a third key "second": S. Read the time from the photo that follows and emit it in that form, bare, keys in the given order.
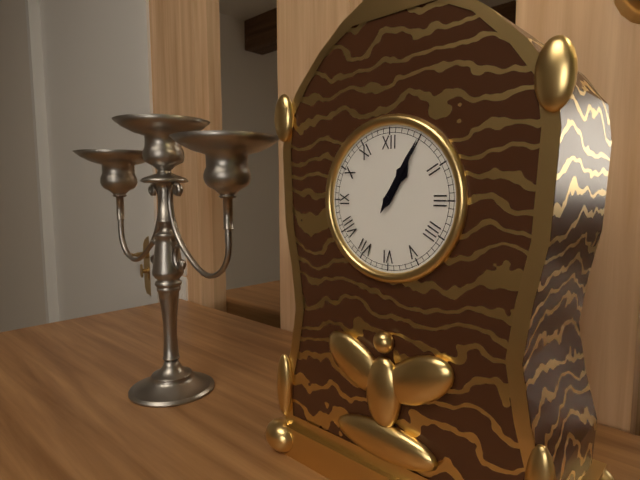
{"hour": 1, "minute": 5}
